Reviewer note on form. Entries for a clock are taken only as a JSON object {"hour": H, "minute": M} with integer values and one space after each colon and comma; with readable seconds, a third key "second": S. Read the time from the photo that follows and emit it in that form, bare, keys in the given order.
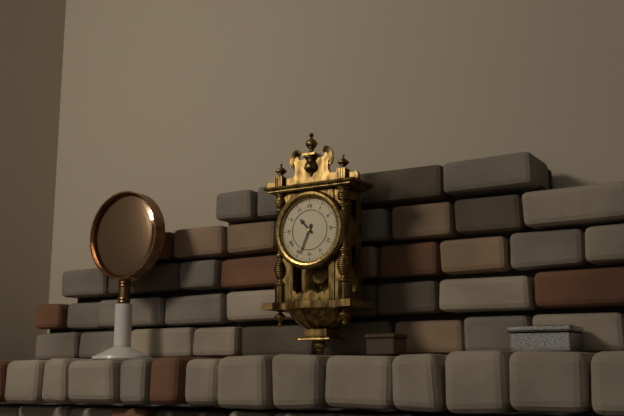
{"hour": 10, "minute": 34}
